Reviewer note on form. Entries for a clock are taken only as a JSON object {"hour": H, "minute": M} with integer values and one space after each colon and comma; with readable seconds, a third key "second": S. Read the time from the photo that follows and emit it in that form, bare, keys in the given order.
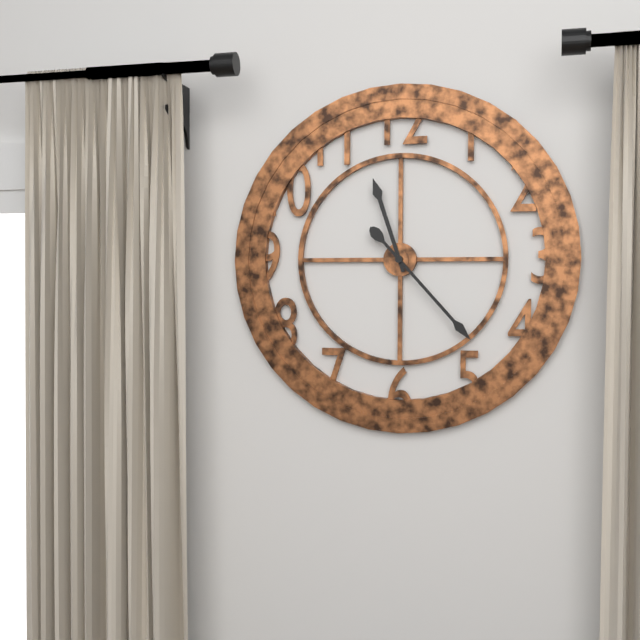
{"hour": 11, "minute": 23}
